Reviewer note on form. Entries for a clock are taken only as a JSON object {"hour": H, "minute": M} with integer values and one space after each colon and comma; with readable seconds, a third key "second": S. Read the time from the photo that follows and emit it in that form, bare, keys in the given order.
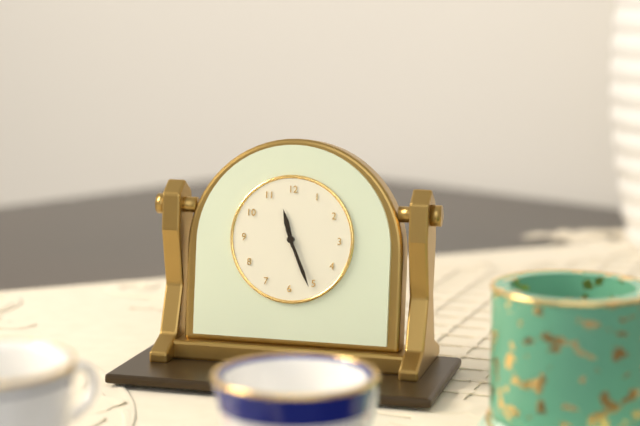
{"hour": 11, "minute": 26}
